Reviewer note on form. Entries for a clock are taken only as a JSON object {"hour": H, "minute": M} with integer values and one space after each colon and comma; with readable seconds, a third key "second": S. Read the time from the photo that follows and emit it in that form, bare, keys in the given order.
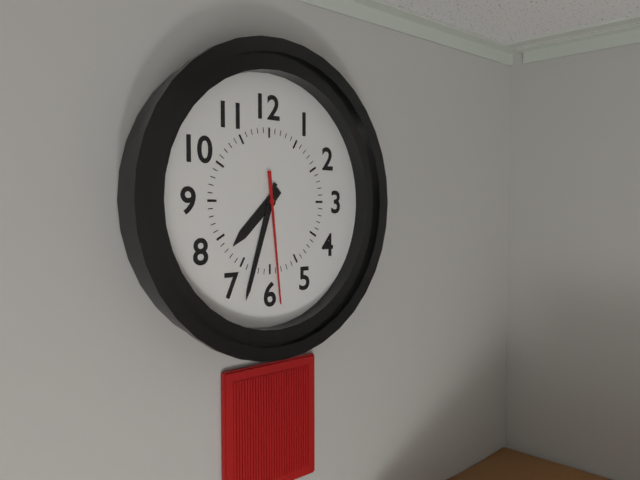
{"hour": 7, "minute": 33, "second": 29}
